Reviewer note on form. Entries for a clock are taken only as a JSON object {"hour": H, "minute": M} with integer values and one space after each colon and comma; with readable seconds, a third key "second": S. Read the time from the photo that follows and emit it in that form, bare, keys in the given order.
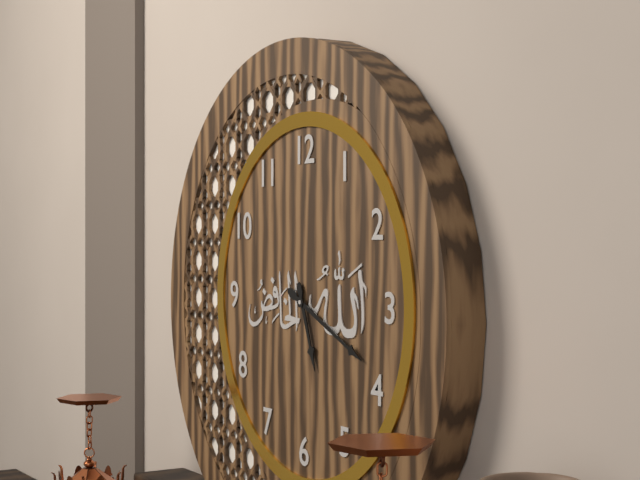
{"hour": 5, "minute": 19}
